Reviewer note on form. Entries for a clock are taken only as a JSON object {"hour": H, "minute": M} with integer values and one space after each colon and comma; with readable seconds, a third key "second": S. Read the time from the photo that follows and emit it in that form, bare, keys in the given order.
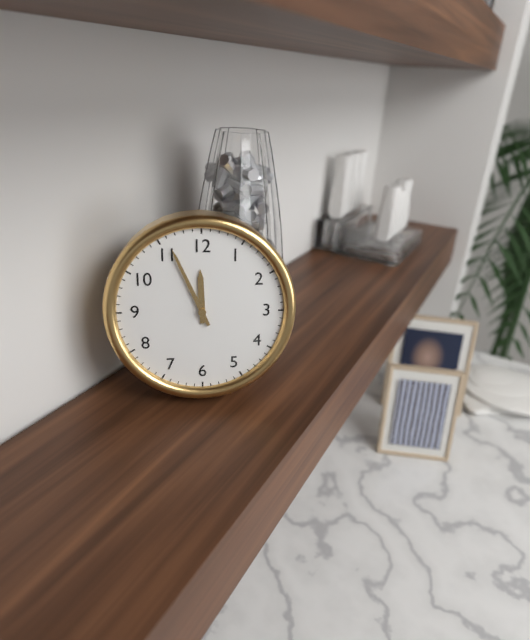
{"hour": 11, "minute": 56}
